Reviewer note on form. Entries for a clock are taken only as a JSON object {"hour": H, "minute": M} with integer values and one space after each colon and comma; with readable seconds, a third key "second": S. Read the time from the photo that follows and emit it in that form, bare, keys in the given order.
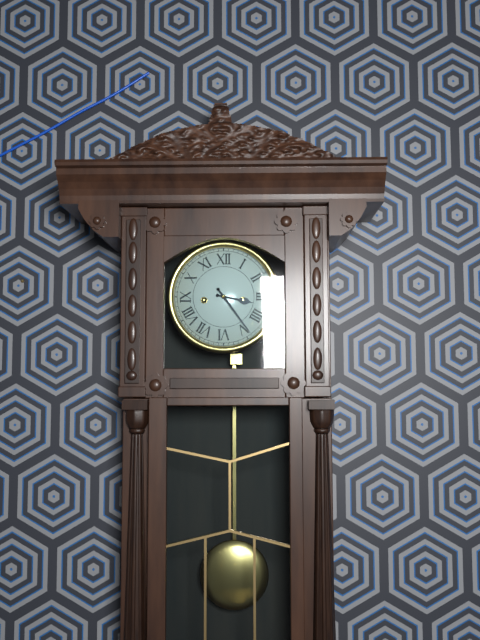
{"hour": 3, "minute": 24}
